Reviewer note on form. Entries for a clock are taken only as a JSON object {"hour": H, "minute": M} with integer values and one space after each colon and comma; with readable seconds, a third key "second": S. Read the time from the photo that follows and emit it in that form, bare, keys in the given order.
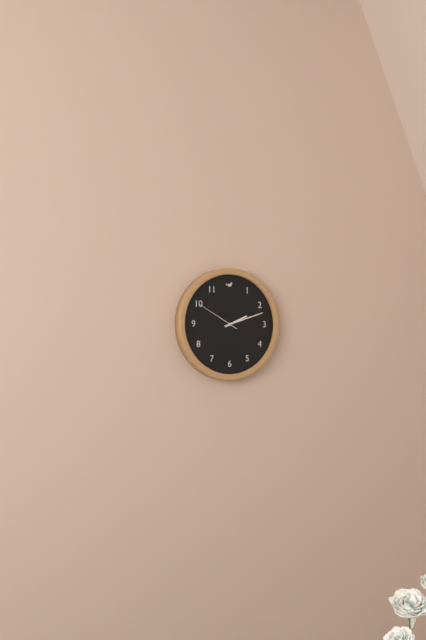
{"hour": 2, "minute": 12}
